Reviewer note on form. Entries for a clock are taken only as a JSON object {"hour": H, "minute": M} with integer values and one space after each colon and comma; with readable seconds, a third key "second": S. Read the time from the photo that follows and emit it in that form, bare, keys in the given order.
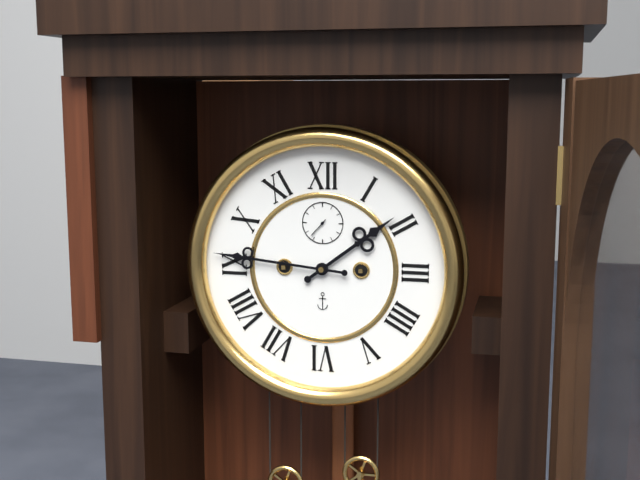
{"hour": 1, "minute": 46}
